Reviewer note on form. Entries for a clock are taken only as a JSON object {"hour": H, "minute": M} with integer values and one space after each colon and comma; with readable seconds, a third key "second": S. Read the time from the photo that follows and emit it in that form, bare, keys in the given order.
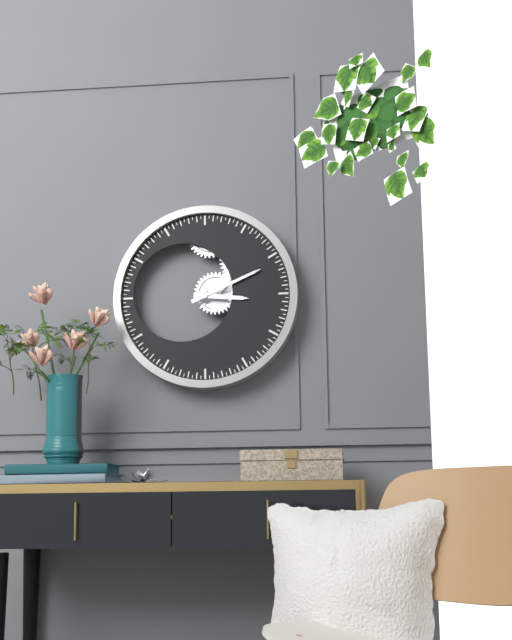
{"hour": 3, "minute": 11}
